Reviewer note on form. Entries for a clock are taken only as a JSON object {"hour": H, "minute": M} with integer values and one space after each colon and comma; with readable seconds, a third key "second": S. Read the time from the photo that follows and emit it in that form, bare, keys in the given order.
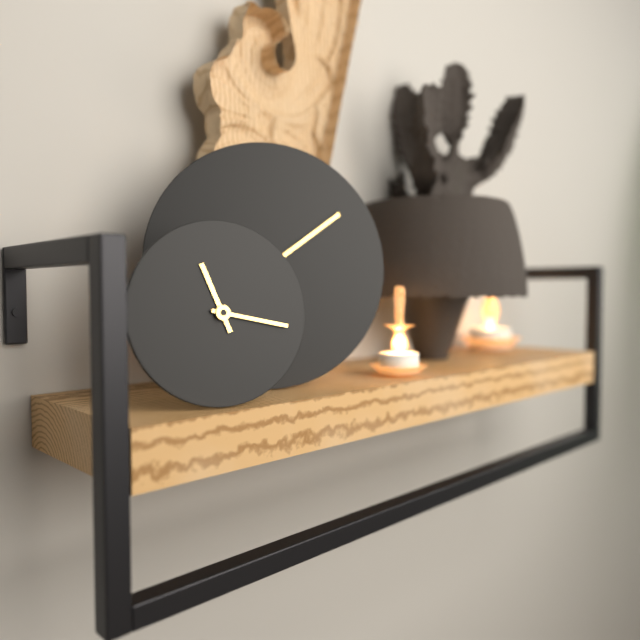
{"hour": 11, "minute": 17}
